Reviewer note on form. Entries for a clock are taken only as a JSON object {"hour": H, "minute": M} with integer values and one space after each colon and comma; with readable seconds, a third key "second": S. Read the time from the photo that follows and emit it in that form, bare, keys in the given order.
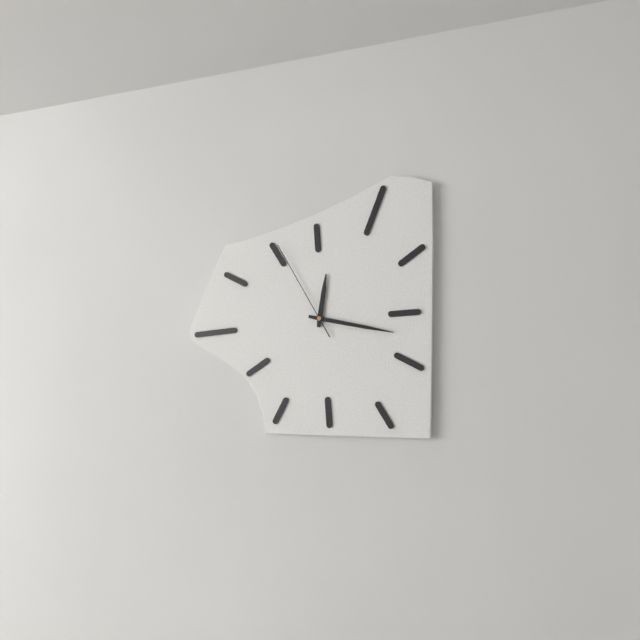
{"hour": 12, "minute": 17, "second": 55}
